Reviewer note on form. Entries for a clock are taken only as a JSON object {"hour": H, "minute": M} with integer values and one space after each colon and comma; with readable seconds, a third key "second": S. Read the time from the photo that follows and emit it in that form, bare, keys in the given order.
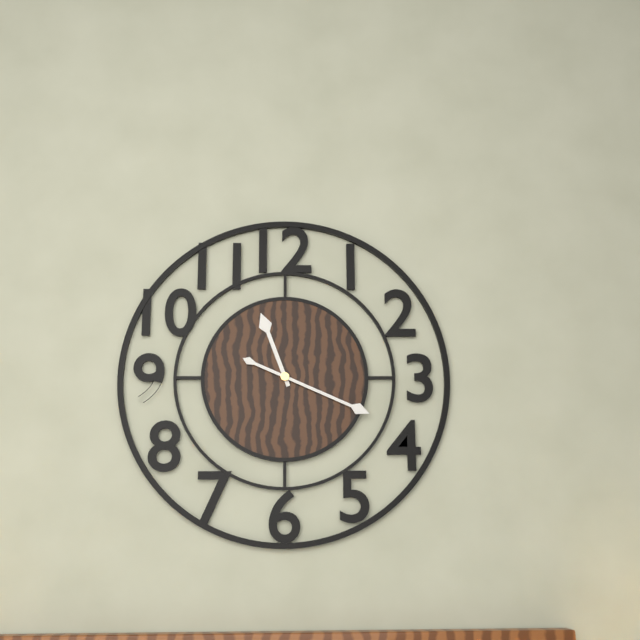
{"hour": 11, "minute": 19}
